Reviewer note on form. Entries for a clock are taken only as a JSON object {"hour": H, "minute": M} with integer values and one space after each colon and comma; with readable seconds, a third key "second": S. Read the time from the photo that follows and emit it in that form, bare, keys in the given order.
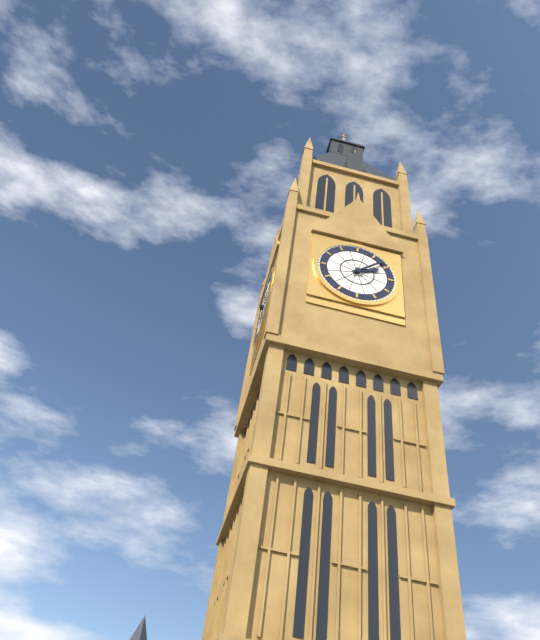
{"hour": 2, "minute": 8}
